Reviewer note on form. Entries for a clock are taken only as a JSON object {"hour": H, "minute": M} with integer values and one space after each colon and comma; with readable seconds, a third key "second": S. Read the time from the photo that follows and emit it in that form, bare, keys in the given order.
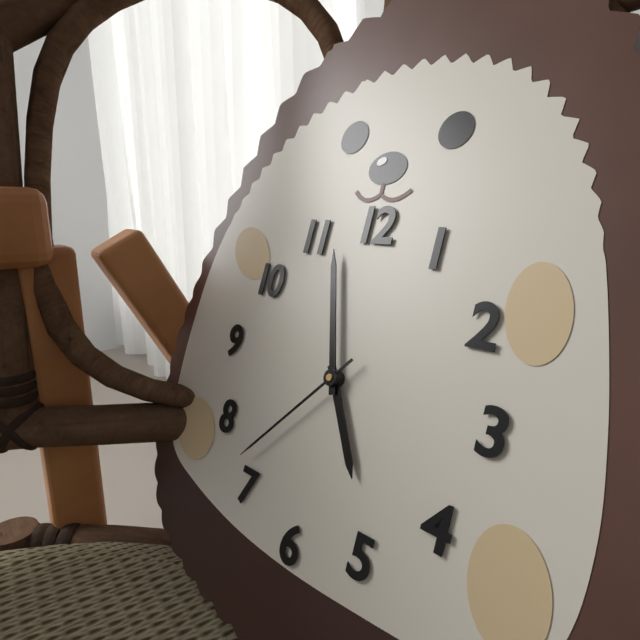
{"hour": 4, "minute": 57, "second": 37}
